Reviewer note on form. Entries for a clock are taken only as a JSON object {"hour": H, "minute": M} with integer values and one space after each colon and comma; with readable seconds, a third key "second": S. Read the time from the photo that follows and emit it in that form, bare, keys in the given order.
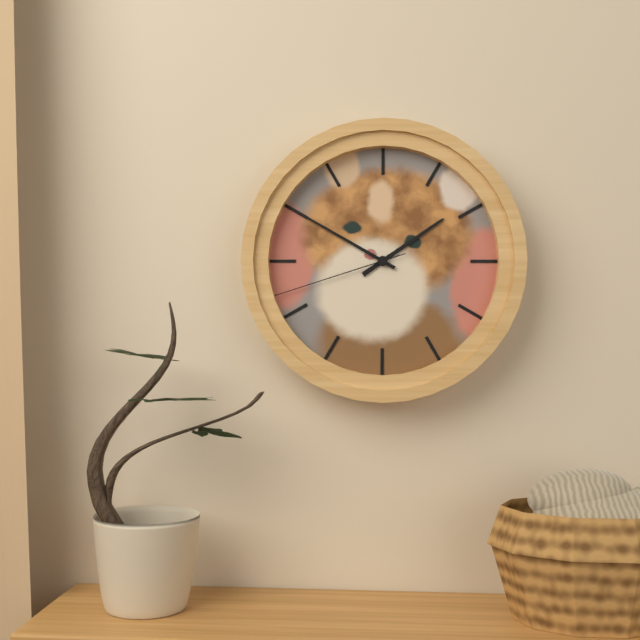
{"hour": 1, "minute": 50, "second": 42}
